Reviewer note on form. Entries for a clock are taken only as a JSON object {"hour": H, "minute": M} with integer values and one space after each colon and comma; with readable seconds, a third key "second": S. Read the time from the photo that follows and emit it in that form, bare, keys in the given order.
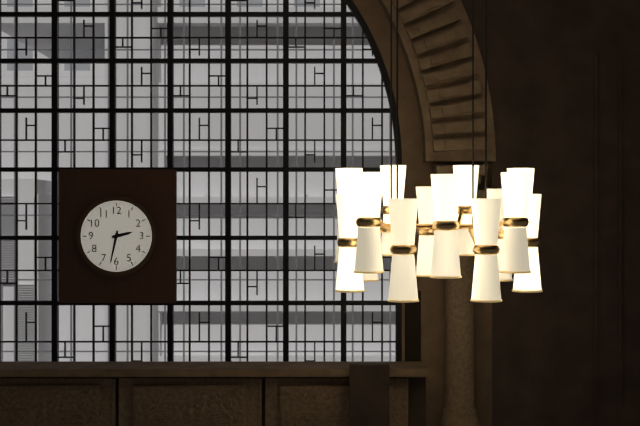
{"hour": 2, "minute": 32}
